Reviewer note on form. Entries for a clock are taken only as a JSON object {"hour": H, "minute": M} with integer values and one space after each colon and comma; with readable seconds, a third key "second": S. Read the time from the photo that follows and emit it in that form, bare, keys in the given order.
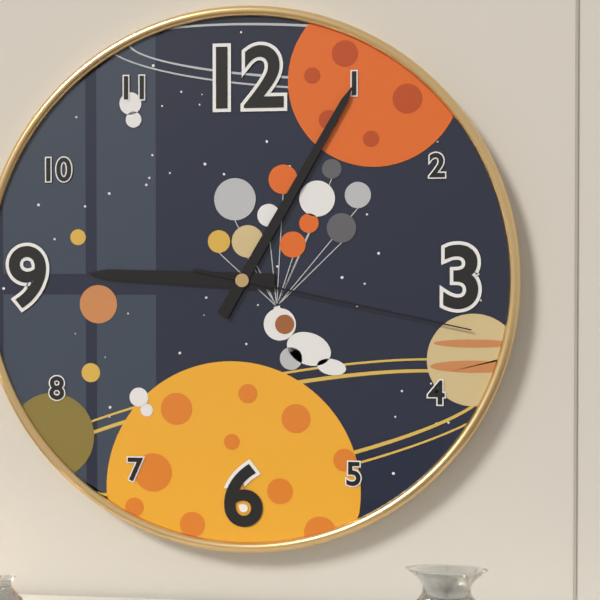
{"hour": 9, "minute": 5, "second": 17}
